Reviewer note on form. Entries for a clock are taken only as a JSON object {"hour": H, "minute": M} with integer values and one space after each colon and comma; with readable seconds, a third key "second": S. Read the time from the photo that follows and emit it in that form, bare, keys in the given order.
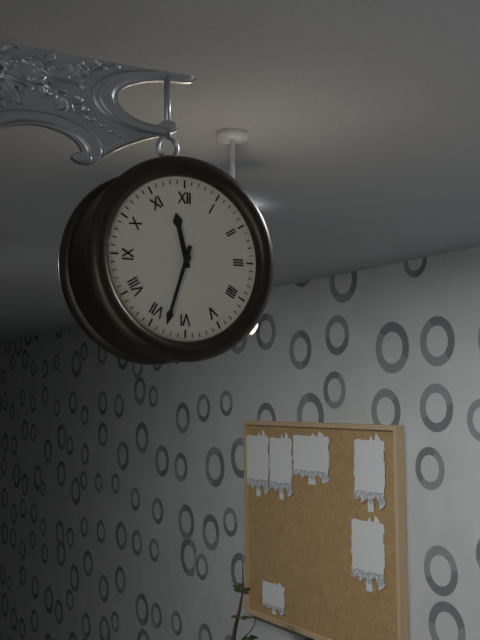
{"hour": 11, "minute": 33}
